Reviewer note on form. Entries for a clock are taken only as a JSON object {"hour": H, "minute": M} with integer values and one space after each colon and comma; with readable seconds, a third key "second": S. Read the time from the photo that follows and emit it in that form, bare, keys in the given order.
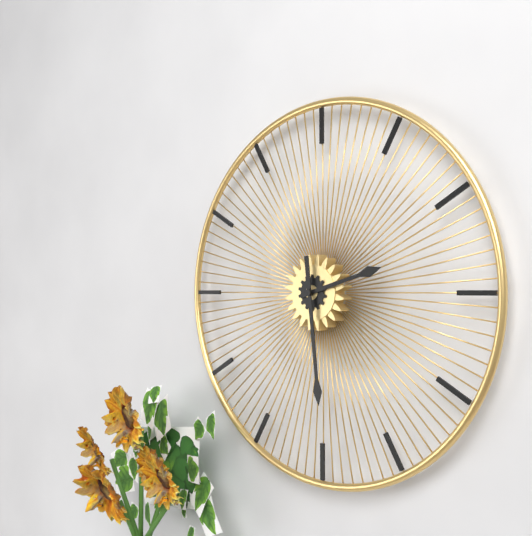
{"hour": 2, "minute": 29}
